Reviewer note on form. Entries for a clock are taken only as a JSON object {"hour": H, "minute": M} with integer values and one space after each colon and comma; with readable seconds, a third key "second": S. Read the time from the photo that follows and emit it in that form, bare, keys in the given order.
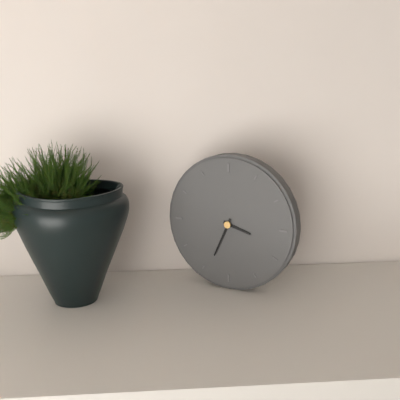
{"hour": 3, "minute": 34}
